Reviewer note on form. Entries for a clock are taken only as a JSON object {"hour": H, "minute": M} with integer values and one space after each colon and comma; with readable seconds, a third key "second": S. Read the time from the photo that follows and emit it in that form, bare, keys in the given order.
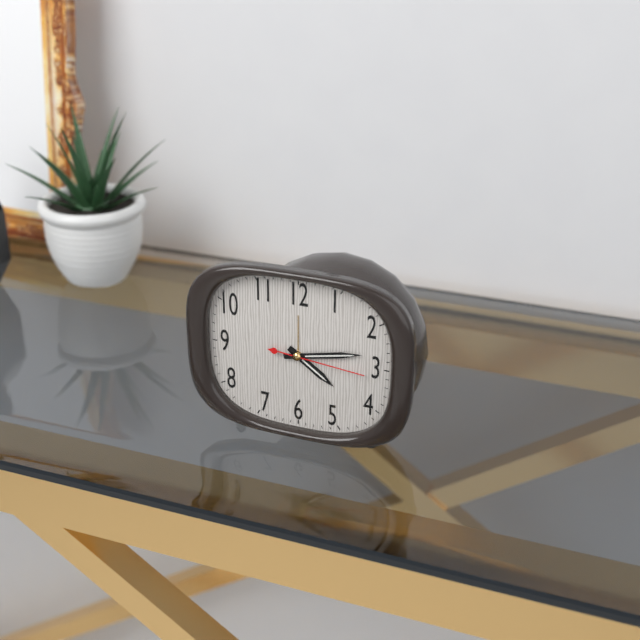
{"hour": 4, "minute": 13, "second": 16}
